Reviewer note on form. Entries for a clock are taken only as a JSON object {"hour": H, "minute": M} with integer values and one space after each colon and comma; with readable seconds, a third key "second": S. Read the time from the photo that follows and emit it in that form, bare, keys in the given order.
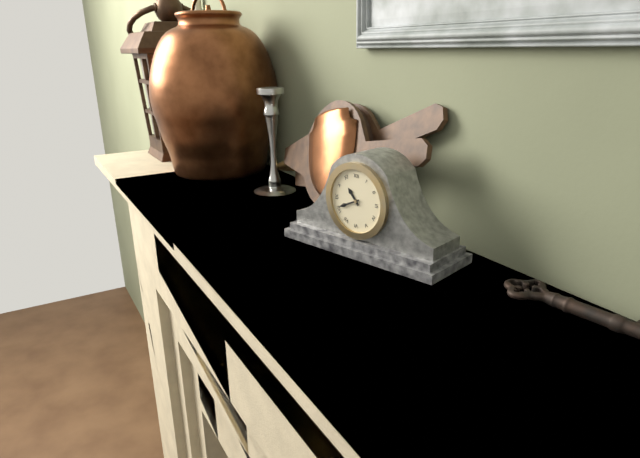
{"hour": 10, "minute": 41}
